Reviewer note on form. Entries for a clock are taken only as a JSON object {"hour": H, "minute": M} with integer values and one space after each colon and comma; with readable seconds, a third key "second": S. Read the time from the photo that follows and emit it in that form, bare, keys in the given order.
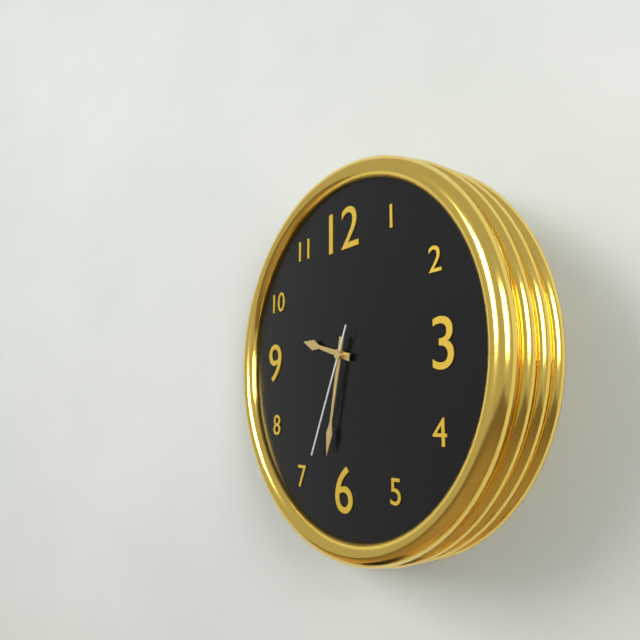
{"hour": 9, "minute": 32, "second": 34}
